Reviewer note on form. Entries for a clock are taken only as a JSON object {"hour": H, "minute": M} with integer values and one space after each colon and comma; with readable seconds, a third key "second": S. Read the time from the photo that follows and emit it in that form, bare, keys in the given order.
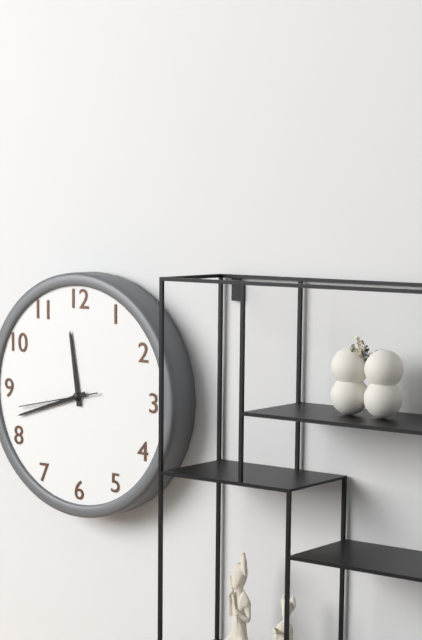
{"hour": 11, "minute": 42, "second": 43}
